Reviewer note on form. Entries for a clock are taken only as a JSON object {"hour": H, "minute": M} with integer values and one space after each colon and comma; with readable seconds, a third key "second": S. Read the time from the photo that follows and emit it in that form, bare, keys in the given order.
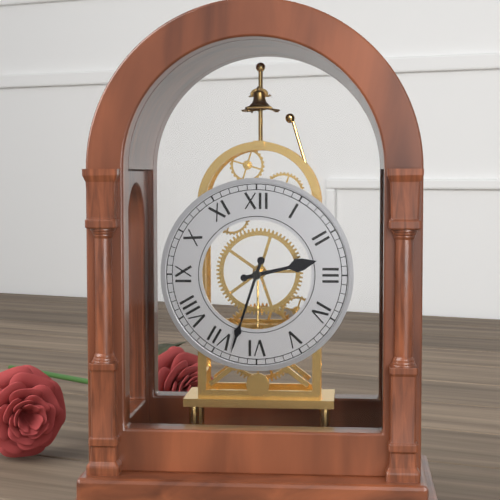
{"hour": 2, "minute": 33}
